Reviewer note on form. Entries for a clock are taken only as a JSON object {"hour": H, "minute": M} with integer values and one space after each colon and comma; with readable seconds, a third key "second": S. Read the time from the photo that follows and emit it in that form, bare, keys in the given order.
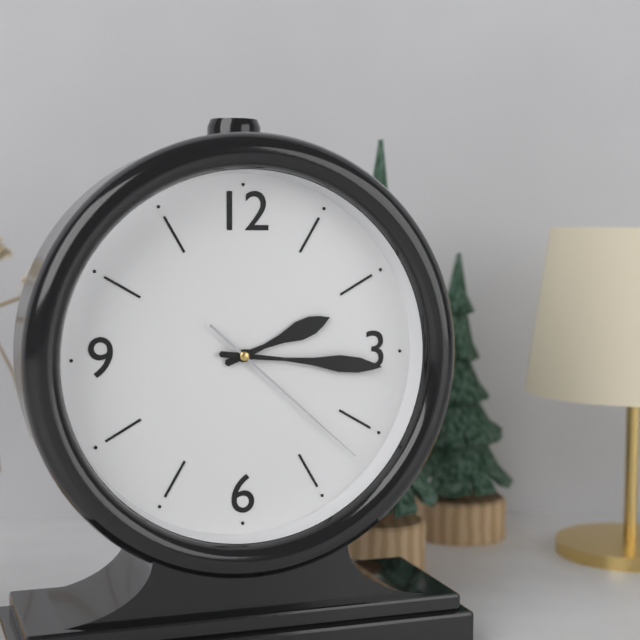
{"hour": 2, "minute": 16, "second": 22}
